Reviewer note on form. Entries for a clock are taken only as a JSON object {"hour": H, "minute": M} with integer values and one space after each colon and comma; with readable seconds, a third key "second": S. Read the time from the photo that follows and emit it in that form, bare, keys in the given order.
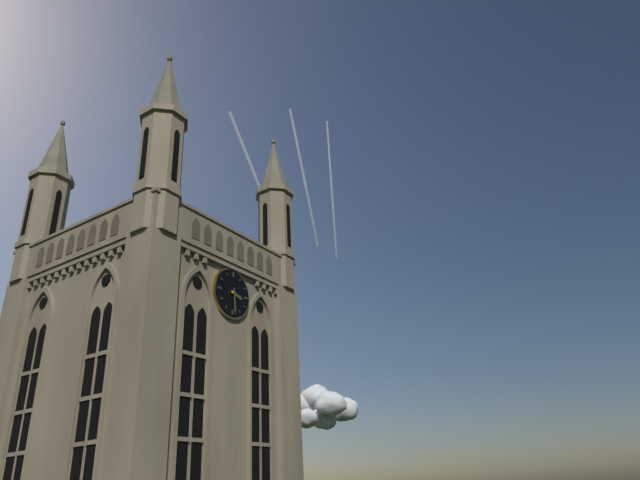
{"hour": 3, "minute": 29}
